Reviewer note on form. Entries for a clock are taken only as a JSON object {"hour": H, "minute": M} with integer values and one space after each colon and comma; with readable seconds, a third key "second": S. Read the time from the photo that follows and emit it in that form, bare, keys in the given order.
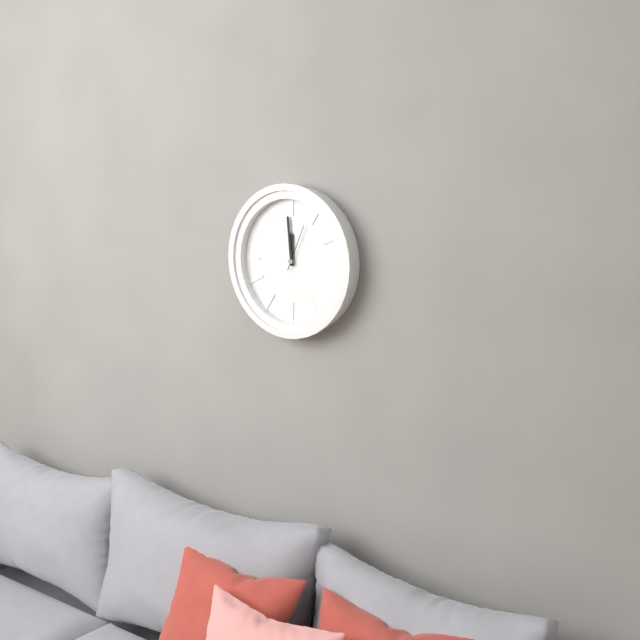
{"hour": 11, "minute": 59}
